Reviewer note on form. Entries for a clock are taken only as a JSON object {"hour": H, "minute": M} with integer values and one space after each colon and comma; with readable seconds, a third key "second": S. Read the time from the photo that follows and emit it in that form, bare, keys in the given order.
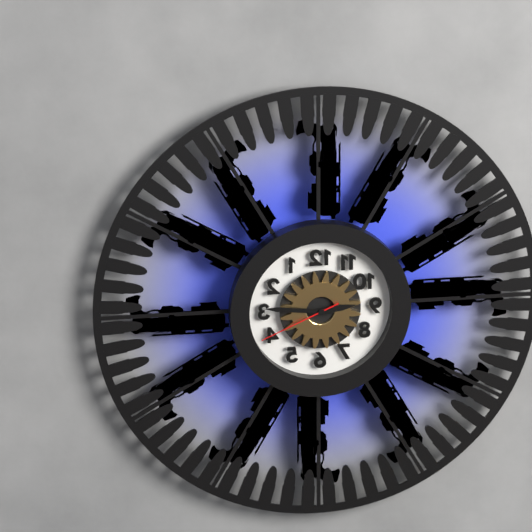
{"hour": 2, "minute": 46, "second": 41}
